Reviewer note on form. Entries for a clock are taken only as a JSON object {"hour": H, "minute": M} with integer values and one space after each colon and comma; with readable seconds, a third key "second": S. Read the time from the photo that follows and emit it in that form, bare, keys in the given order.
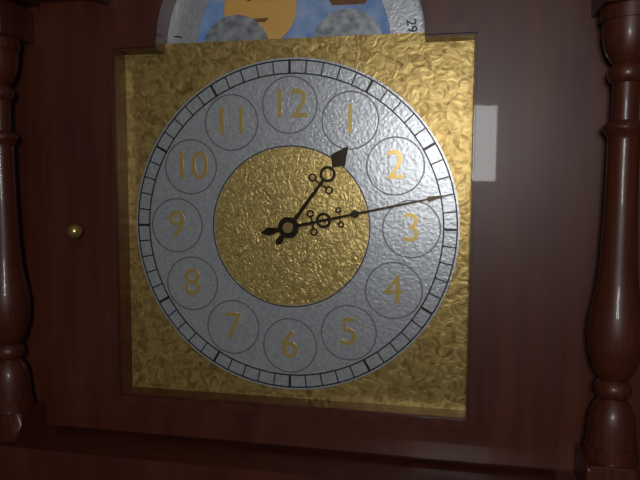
{"hour": 1, "minute": 13}
